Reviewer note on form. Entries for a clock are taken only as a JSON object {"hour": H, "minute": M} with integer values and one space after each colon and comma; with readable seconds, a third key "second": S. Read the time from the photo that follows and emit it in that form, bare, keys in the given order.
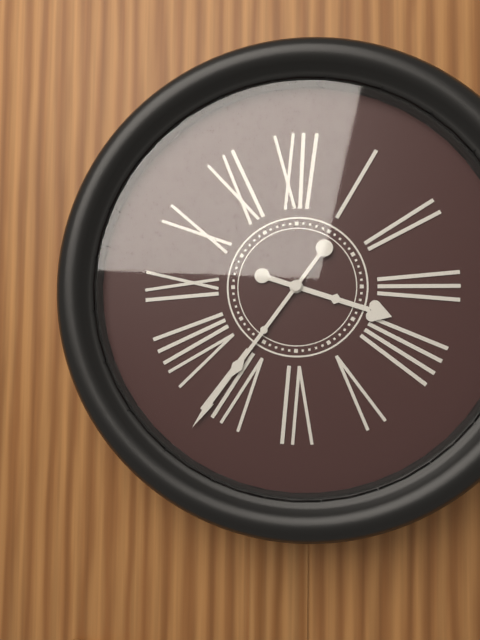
{"hour": 3, "minute": 36}
